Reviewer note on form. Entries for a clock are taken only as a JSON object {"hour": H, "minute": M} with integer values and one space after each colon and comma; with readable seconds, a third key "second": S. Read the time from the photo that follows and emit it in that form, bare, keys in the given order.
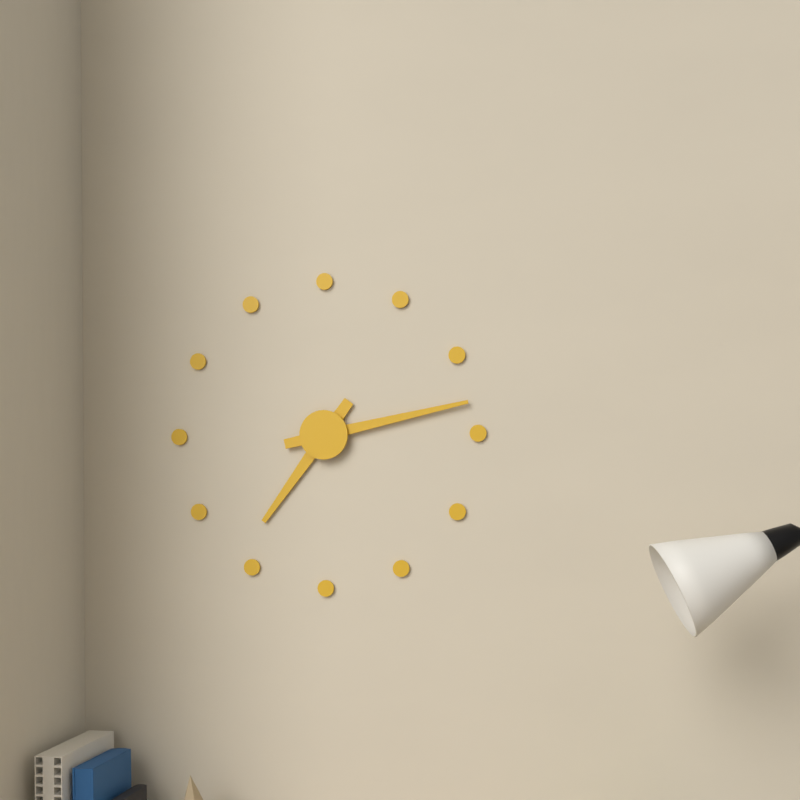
{"hour": 7, "minute": 13}
